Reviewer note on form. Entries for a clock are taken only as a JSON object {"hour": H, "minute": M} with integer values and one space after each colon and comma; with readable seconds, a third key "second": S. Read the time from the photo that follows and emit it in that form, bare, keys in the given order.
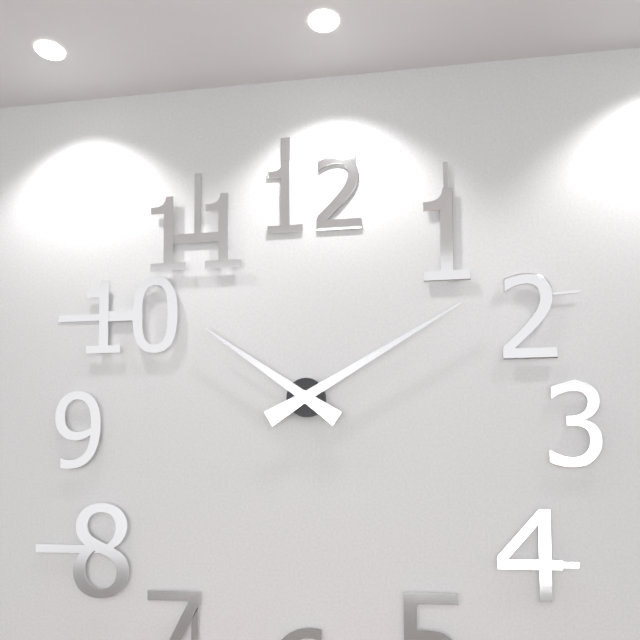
{"hour": 10, "minute": 10}
